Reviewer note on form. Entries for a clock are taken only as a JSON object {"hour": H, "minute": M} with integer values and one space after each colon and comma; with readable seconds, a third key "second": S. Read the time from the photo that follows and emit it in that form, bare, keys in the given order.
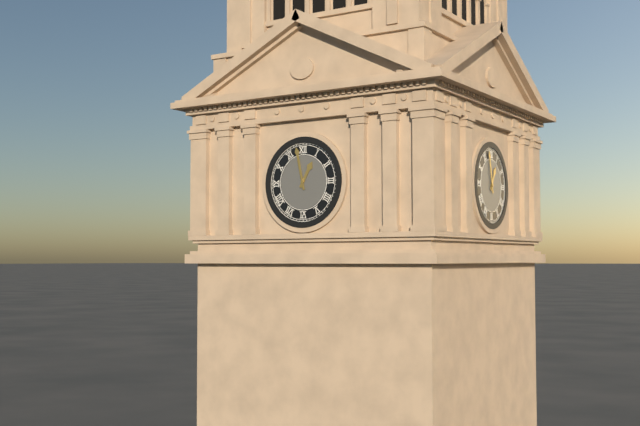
{"hour": 12, "minute": 58}
